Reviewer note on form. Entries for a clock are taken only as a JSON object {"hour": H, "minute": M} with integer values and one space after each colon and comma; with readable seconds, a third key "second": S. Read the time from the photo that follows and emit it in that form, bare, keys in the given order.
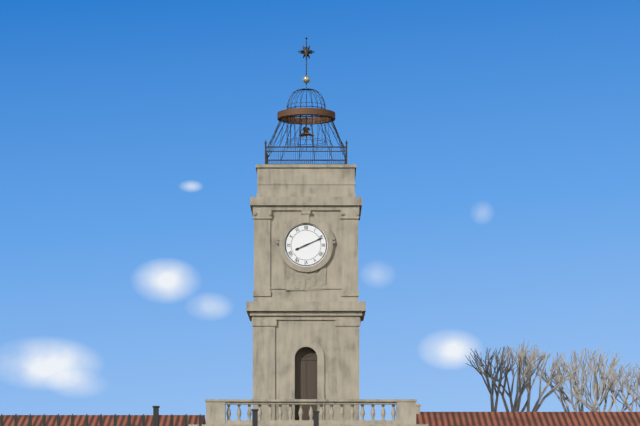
{"hour": 8, "minute": 11}
